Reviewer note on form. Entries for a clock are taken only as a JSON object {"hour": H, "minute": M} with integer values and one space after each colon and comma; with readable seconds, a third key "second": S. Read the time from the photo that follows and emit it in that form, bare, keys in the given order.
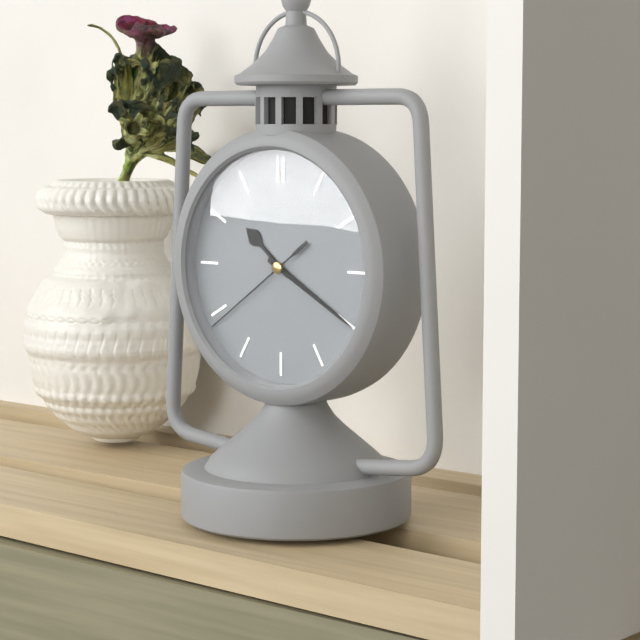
{"hour": 10, "minute": 20, "second": 39}
